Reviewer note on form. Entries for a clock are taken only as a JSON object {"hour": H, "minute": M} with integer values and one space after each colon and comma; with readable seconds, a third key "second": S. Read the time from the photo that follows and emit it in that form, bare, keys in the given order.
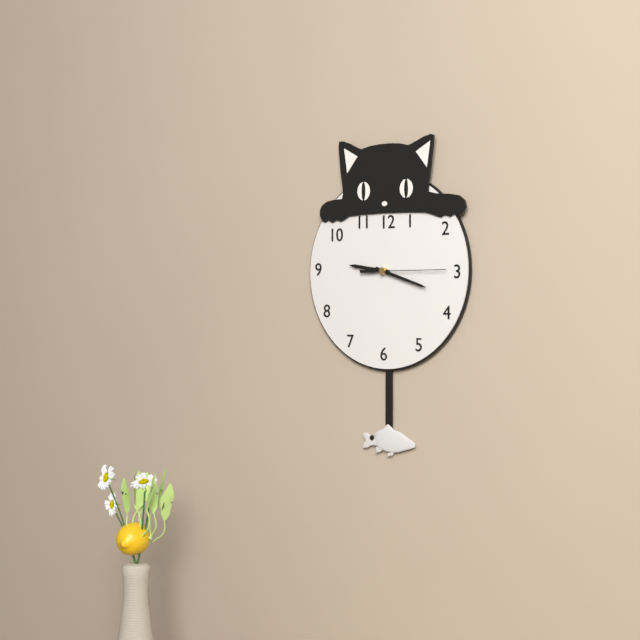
{"hour": 9, "minute": 18, "second": 15}
